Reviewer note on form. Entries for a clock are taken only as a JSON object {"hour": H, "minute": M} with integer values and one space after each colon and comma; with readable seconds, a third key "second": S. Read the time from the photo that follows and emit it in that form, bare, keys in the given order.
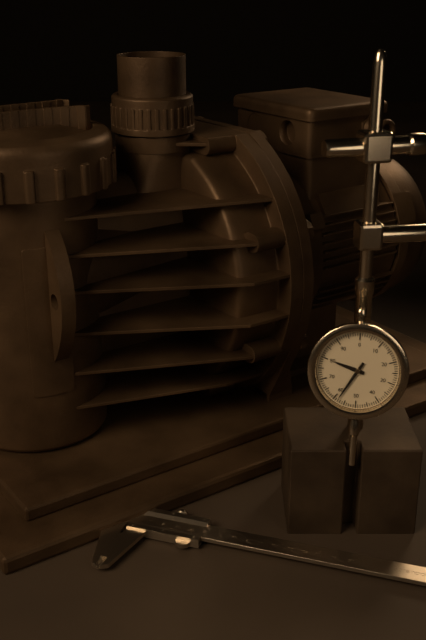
{"hour": 9, "minute": 35}
